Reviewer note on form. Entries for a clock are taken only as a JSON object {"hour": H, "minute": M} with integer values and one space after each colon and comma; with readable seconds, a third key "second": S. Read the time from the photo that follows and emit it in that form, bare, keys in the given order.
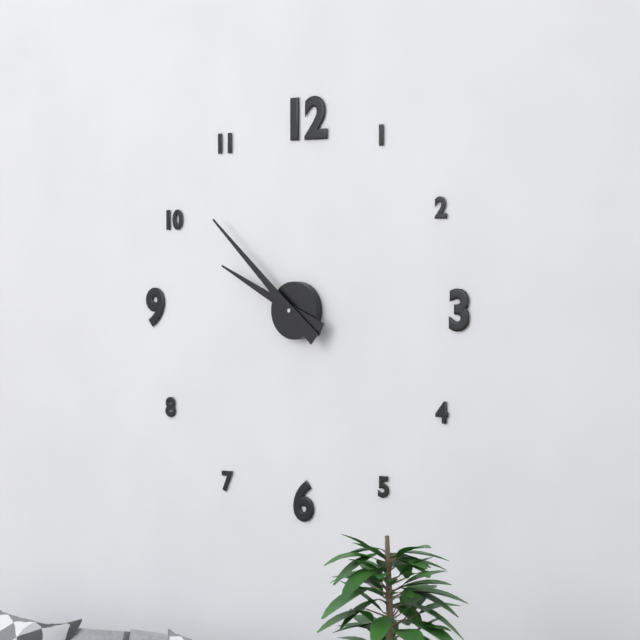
{"hour": 9, "minute": 52}
